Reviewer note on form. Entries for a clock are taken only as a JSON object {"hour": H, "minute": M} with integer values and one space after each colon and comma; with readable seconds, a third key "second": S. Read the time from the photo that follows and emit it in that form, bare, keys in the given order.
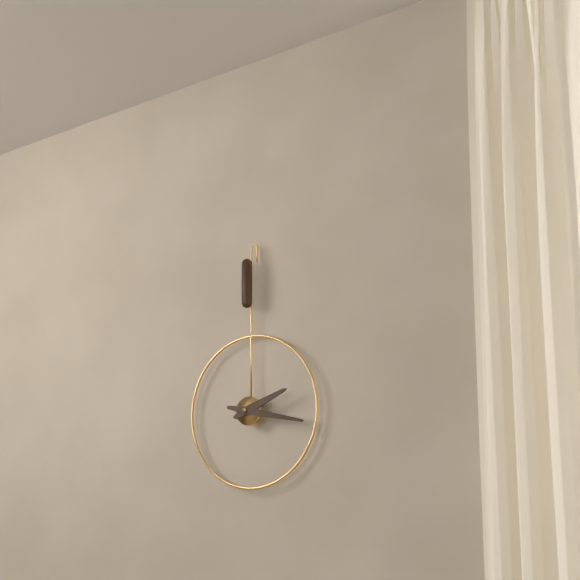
{"hour": 2, "minute": 17}
